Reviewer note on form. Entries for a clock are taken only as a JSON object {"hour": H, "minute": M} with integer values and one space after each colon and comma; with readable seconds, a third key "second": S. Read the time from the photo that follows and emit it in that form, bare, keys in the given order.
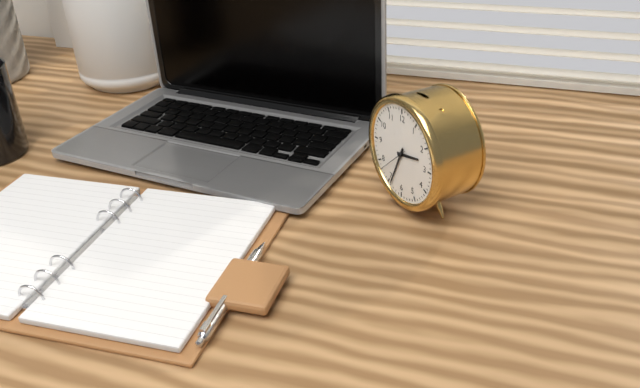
{"hour": 2, "minute": 34}
